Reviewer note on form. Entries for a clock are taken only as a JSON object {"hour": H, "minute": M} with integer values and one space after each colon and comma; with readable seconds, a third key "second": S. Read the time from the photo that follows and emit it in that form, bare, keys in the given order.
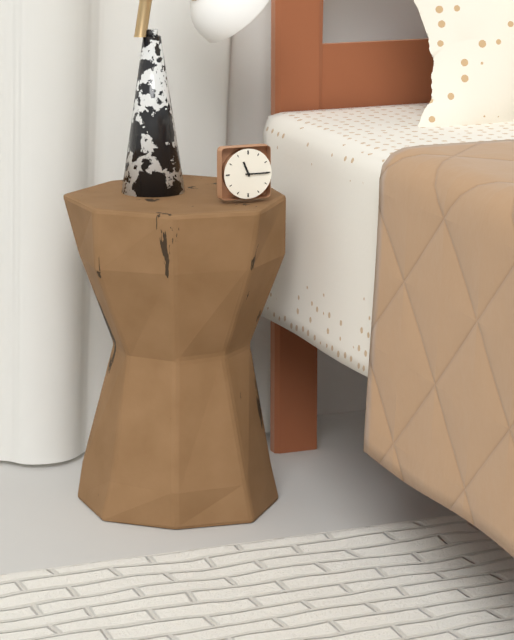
{"hour": 11, "minute": 15}
